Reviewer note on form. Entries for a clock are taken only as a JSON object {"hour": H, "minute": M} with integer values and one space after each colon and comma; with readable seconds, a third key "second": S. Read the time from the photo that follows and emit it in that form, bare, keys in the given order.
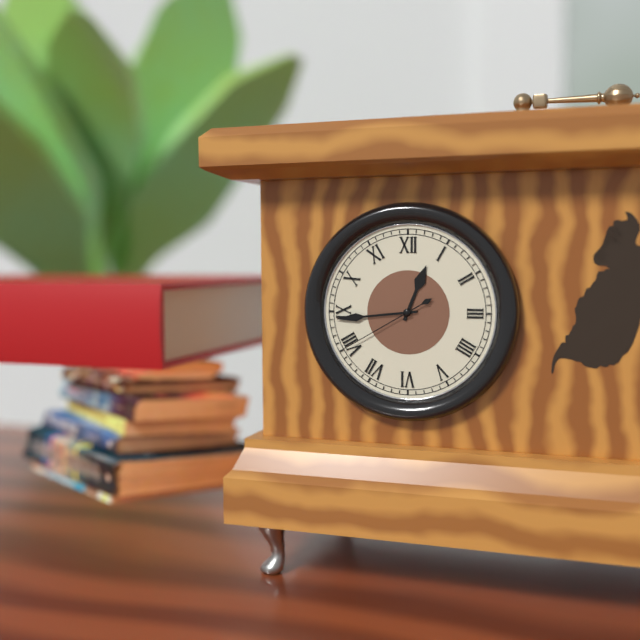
{"hour": 12, "minute": 44, "second": 40}
